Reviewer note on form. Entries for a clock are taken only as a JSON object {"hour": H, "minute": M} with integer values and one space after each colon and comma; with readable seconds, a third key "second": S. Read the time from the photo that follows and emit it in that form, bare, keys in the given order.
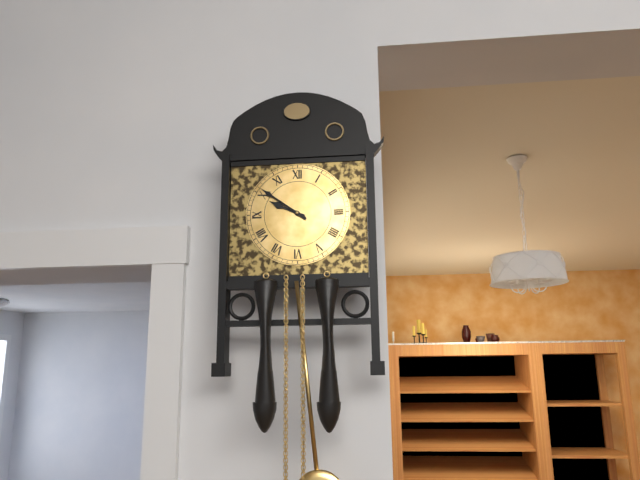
{"hour": 9, "minute": 51}
